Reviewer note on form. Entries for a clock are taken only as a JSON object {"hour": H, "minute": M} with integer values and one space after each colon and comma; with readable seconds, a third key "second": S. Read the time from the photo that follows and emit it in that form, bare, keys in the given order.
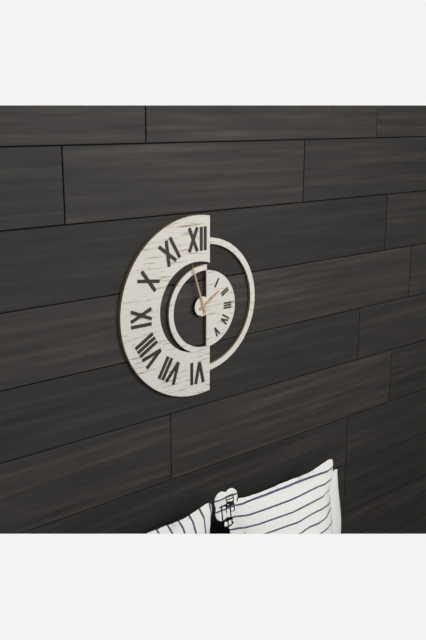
{"hour": 1, "minute": 57}
